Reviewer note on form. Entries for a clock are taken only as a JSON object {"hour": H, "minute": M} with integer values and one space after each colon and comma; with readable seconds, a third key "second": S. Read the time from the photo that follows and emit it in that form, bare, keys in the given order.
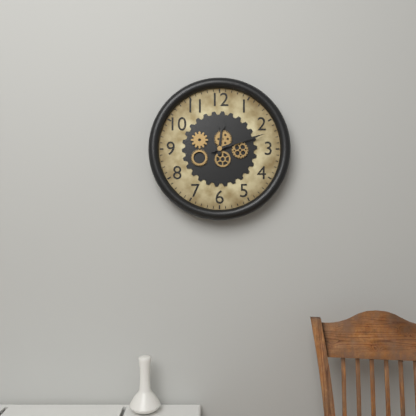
{"hour": 12, "minute": 12}
